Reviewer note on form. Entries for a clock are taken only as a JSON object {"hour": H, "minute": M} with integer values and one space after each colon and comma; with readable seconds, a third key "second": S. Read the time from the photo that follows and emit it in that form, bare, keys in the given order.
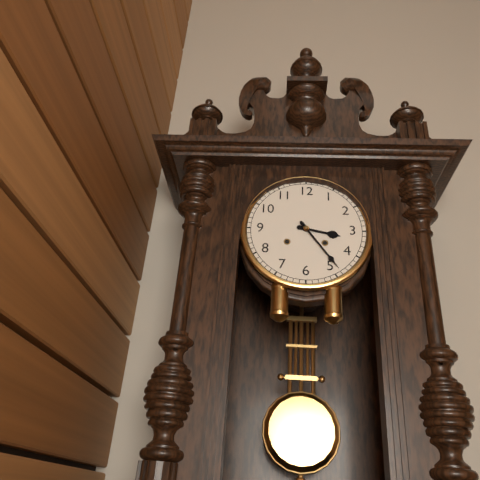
{"hour": 3, "minute": 24}
